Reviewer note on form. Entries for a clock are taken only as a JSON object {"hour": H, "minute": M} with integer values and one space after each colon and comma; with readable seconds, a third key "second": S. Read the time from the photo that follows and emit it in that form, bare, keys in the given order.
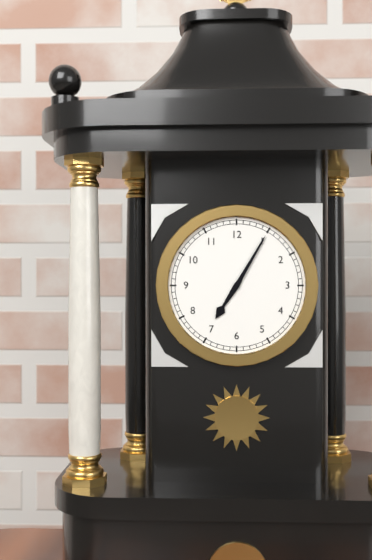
{"hour": 7, "minute": 5}
